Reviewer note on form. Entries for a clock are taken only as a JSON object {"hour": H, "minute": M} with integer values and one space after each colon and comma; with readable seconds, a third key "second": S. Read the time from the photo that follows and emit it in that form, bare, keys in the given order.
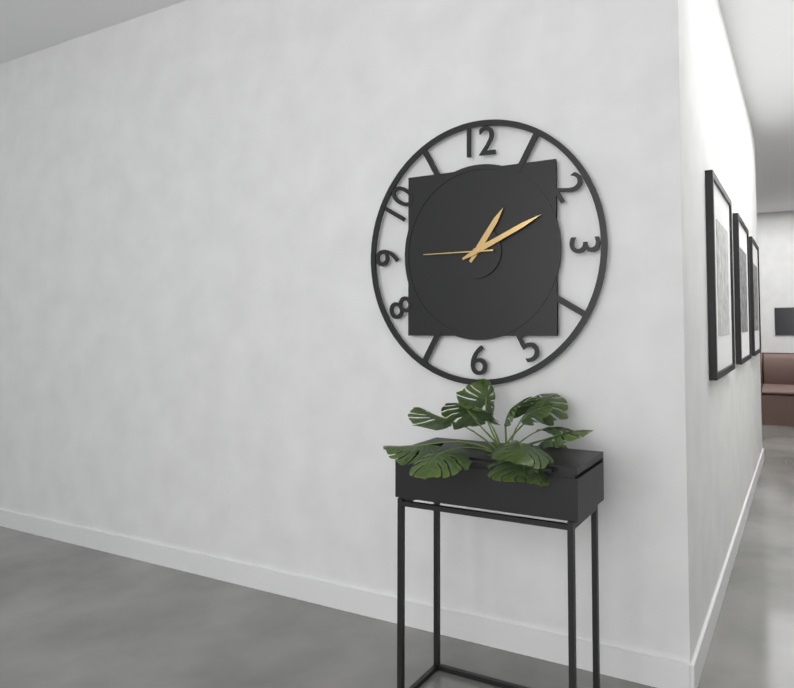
{"hour": 1, "minute": 11, "second": 45}
